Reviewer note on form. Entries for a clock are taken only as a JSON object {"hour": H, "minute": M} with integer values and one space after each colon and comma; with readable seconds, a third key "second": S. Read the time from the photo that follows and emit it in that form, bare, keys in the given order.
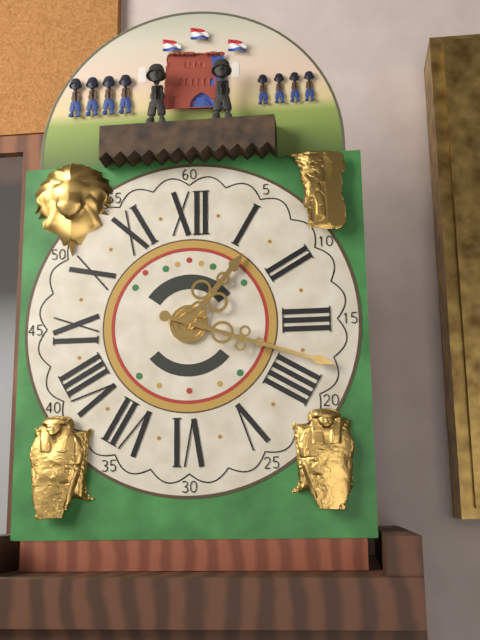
{"hour": 1, "minute": 18}
